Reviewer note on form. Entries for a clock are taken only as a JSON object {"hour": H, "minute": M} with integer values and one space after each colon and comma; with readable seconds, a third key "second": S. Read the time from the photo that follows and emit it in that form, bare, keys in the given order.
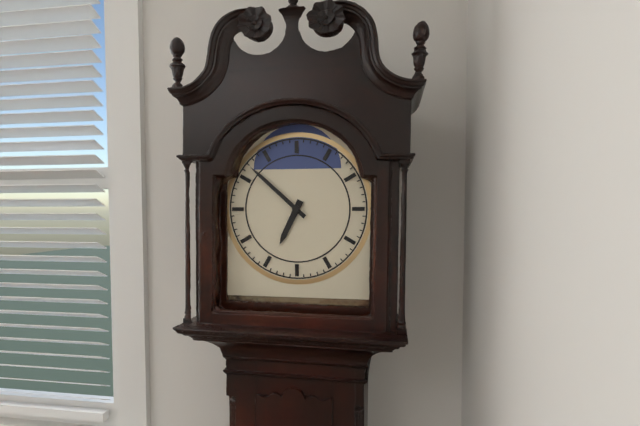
{"hour": 6, "minute": 52}
